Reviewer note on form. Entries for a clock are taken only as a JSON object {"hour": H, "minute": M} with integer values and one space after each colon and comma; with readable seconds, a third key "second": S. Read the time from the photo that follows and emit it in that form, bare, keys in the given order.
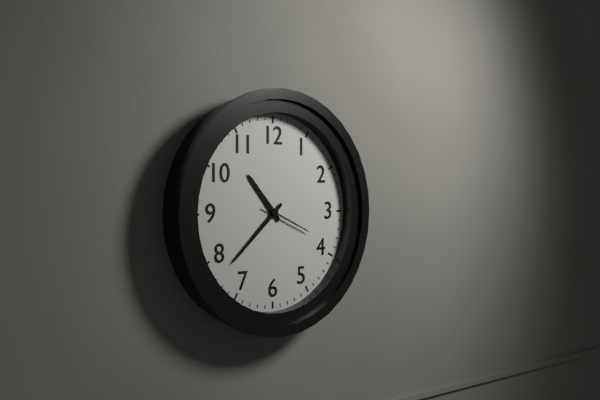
{"hour": 10, "minute": 38, "second": 19}
